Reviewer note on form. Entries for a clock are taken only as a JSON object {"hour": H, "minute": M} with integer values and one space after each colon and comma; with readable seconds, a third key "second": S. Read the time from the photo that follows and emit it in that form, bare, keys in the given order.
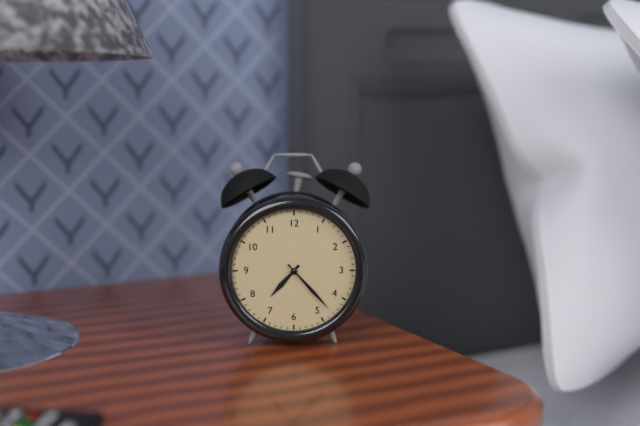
{"hour": 7, "minute": 23}
